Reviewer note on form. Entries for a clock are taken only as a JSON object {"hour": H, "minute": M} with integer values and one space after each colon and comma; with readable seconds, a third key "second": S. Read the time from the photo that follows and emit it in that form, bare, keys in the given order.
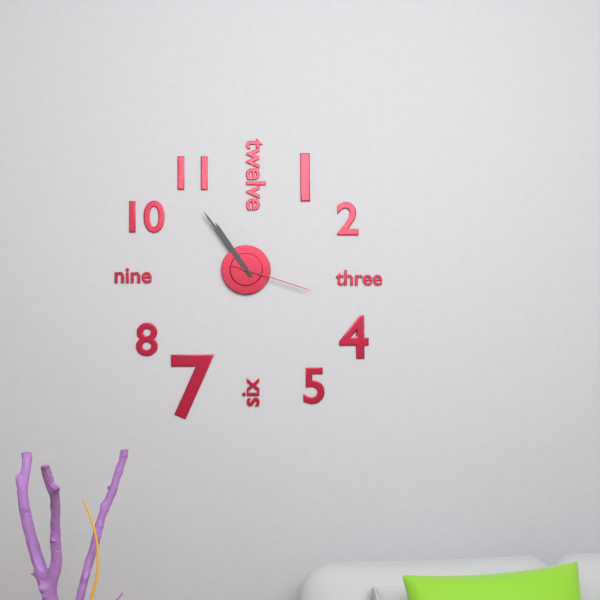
{"hour": 10, "minute": 54, "second": 18}
